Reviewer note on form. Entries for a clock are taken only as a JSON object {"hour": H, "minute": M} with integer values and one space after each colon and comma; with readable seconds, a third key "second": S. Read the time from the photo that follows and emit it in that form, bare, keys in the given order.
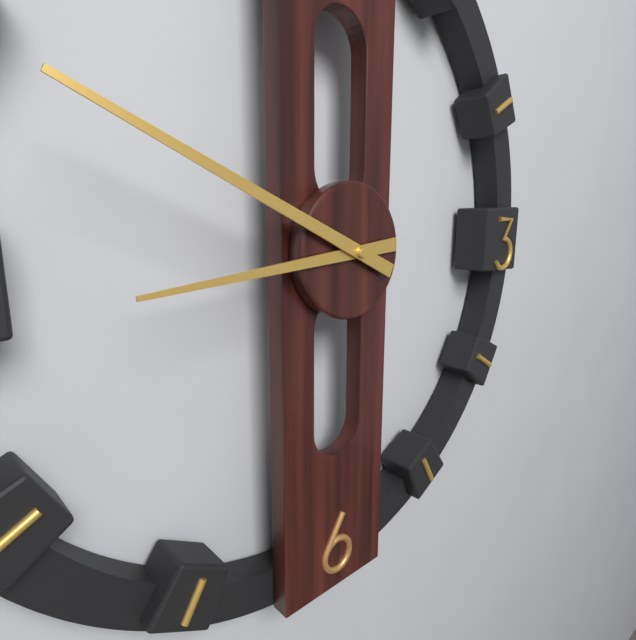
{"hour": 8, "minute": 49}
